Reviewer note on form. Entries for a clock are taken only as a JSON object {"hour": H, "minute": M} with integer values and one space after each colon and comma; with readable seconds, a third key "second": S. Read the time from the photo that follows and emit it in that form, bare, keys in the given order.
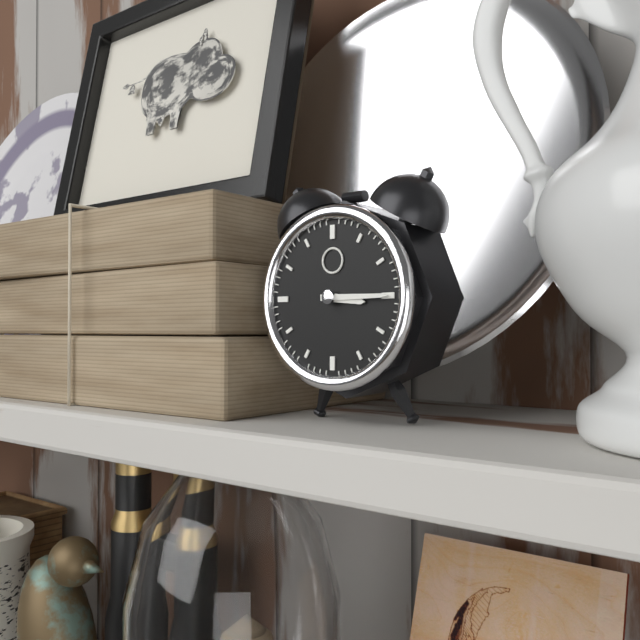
{"hour": 3, "minute": 15}
